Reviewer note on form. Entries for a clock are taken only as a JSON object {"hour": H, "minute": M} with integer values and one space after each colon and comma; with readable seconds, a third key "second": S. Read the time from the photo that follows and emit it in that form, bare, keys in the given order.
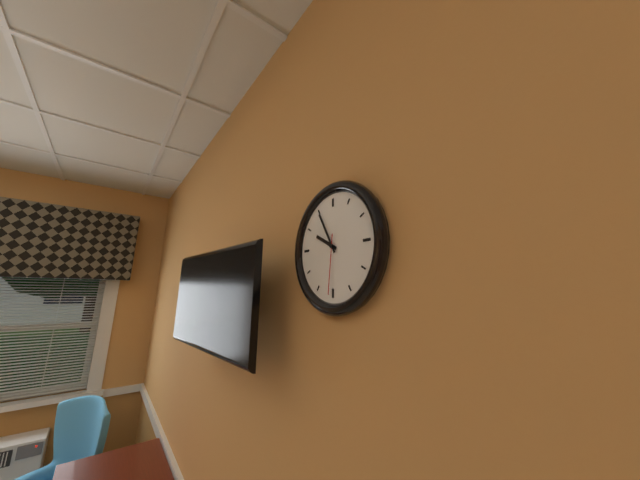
{"hour": 9, "minute": 55, "second": 31}
